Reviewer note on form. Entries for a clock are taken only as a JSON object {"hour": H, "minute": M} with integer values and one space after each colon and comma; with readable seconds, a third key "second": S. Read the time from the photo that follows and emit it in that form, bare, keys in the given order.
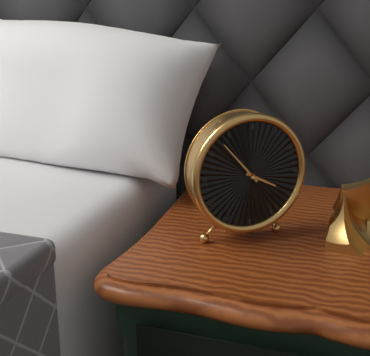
{"hour": 3, "minute": 53}
